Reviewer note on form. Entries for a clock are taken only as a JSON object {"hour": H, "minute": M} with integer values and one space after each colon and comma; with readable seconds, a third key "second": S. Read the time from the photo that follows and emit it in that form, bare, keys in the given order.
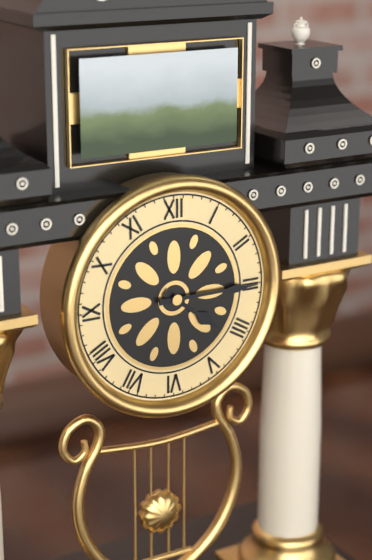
{"hour": 4, "minute": 15}
